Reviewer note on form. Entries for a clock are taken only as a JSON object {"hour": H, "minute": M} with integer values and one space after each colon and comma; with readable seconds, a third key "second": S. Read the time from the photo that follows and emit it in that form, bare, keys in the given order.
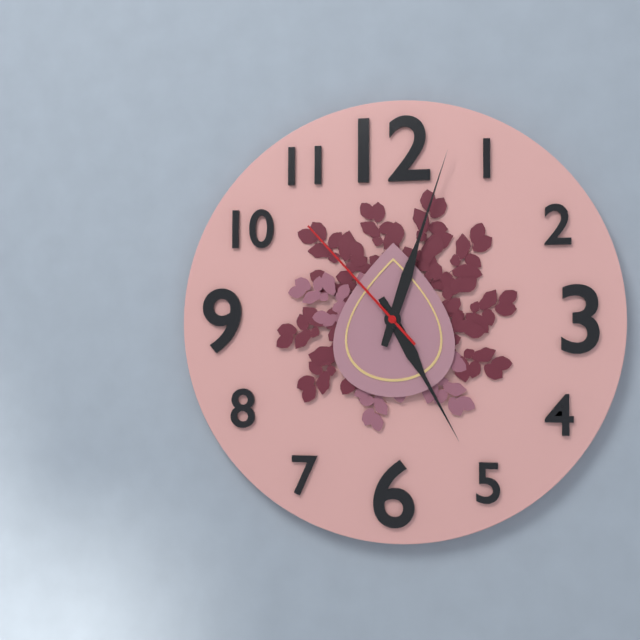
{"hour": 5, "minute": 3, "second": 53}
